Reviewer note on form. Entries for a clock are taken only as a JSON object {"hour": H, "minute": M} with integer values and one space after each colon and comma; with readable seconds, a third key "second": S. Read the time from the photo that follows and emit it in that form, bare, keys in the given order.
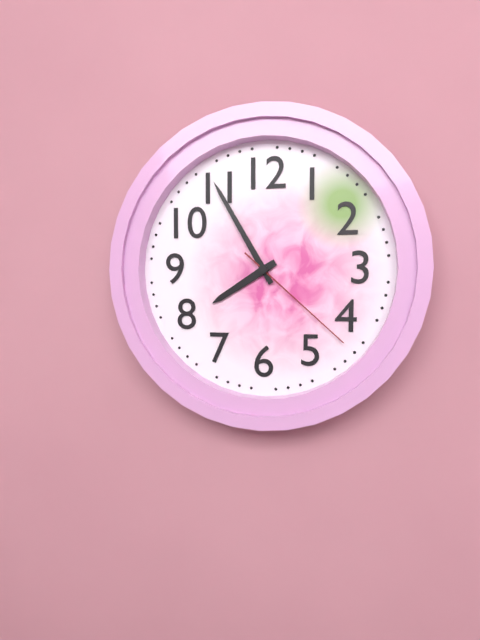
{"hour": 7, "minute": 55, "second": 22}
